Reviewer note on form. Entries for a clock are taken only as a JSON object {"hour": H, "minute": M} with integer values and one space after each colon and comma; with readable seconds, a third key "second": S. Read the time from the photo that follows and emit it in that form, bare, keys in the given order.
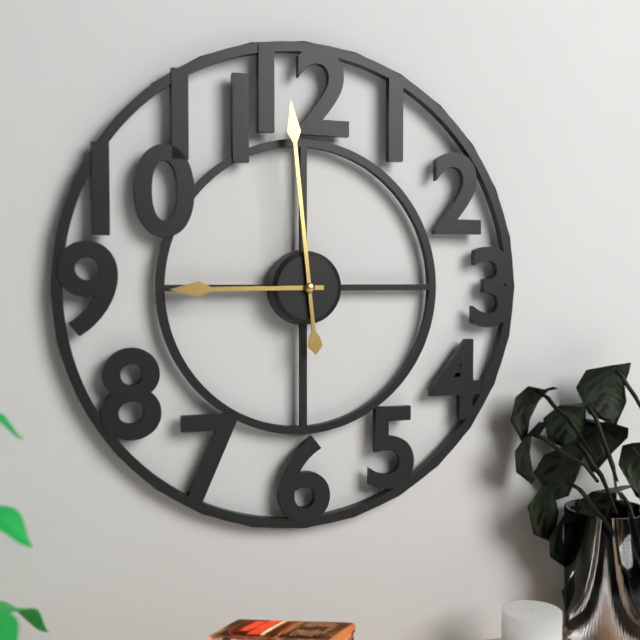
{"hour": 8, "minute": 59}
